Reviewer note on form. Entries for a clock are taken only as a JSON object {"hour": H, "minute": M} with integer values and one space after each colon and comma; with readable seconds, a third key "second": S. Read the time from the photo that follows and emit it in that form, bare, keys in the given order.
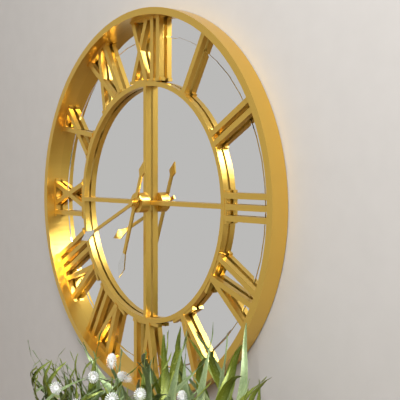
{"hour": 6, "minute": 41}
